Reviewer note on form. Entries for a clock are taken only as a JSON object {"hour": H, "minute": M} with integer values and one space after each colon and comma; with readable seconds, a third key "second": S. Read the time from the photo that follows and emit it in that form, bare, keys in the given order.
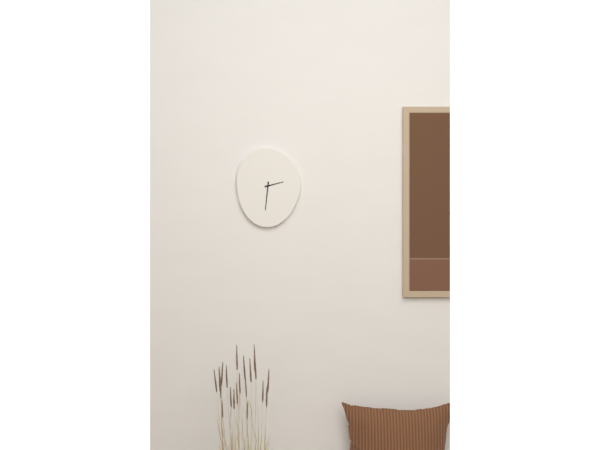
{"hour": 2, "minute": 31}
